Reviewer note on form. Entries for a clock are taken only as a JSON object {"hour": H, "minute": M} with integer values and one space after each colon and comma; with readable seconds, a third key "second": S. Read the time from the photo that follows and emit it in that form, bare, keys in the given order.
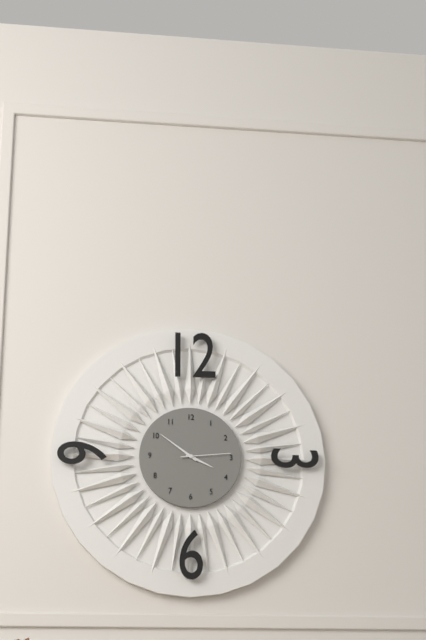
{"hour": 3, "minute": 51, "second": 14}
